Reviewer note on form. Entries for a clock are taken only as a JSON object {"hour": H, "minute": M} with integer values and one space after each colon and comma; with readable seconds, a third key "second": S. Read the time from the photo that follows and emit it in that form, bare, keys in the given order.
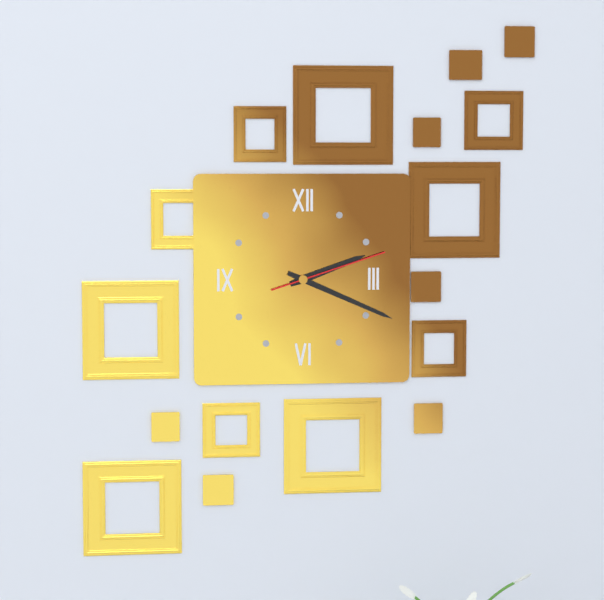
{"hour": 2, "minute": 19, "second": 12}
